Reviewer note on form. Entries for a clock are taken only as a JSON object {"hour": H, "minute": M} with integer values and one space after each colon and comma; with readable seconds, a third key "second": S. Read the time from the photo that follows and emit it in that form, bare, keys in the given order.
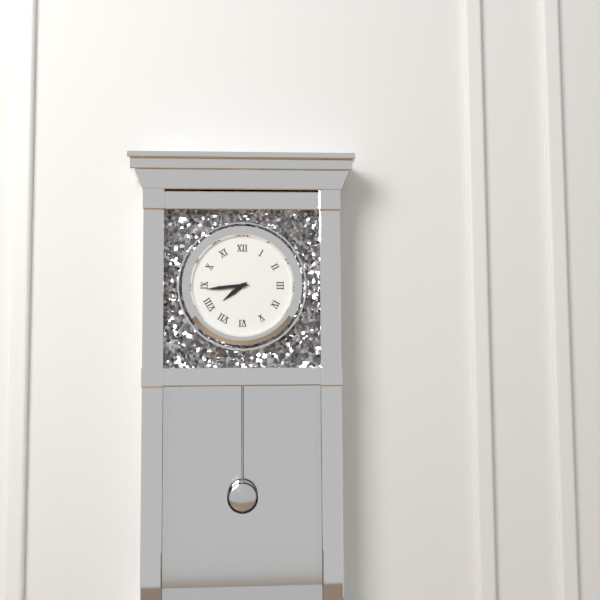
{"hour": 7, "minute": 44}
